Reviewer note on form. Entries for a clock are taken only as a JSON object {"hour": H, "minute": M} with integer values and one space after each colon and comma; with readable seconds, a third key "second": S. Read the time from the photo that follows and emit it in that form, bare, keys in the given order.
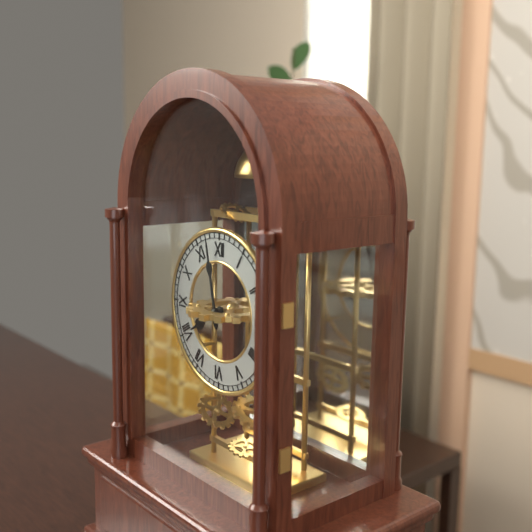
{"hour": 7, "minute": 58}
